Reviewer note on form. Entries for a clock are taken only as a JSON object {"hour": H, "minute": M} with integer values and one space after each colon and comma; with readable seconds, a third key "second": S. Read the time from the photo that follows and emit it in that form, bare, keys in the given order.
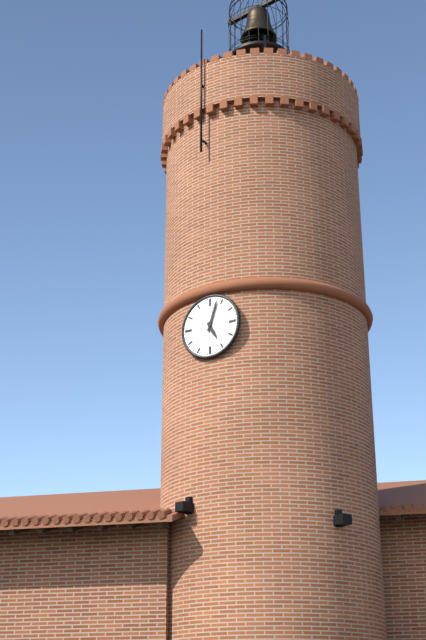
{"hour": 5, "minute": 3}
